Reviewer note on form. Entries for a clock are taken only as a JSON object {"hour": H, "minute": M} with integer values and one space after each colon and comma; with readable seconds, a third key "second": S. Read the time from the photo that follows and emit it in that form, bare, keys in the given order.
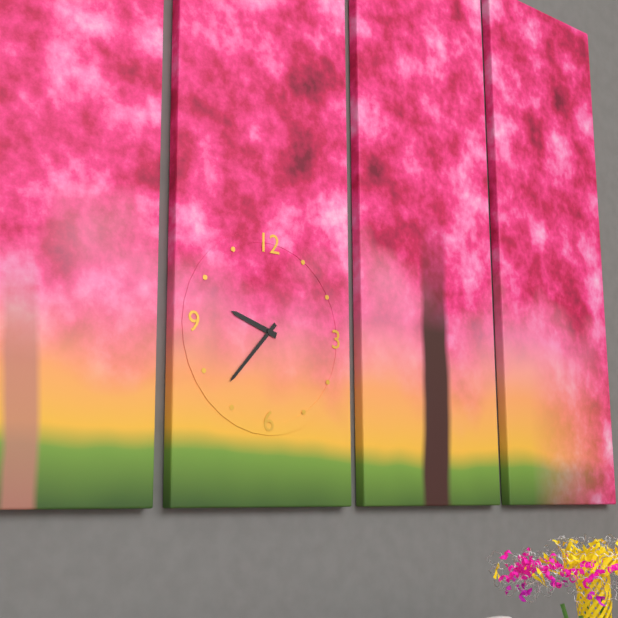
{"hour": 9, "minute": 37}
